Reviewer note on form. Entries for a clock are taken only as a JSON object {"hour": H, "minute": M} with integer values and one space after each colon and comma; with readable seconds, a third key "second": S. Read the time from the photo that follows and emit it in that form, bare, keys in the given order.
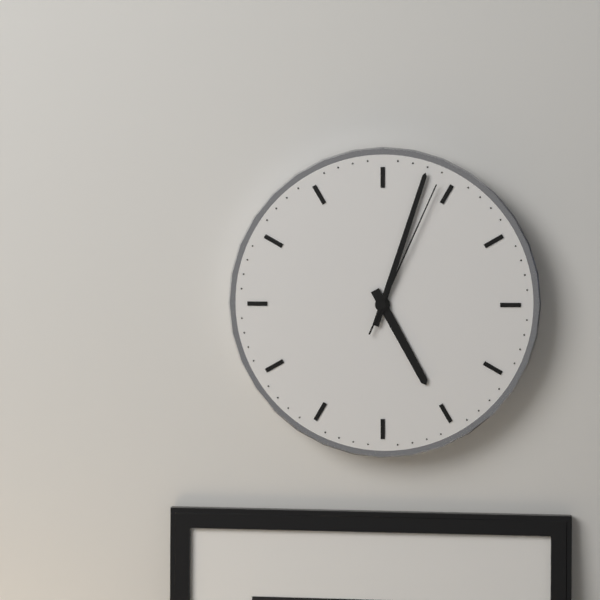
{"hour": 5, "minute": 3, "second": 4}
